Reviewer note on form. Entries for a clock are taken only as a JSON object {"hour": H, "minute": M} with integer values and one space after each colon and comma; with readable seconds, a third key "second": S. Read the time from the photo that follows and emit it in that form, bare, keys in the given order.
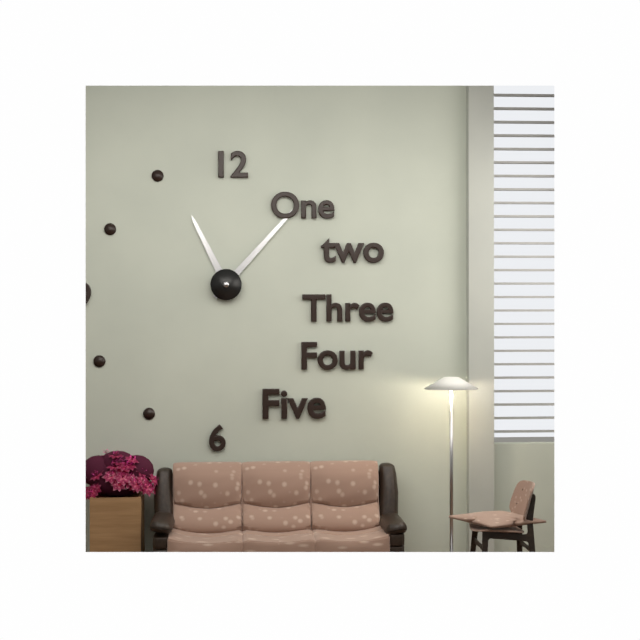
{"hour": 11, "minute": 7}
